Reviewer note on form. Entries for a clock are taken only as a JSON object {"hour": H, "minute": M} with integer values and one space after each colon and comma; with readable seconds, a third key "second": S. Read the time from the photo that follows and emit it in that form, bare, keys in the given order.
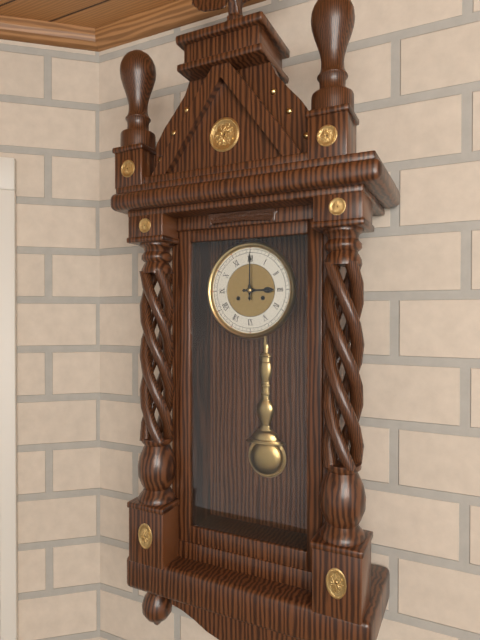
{"hour": 3, "minute": 0}
